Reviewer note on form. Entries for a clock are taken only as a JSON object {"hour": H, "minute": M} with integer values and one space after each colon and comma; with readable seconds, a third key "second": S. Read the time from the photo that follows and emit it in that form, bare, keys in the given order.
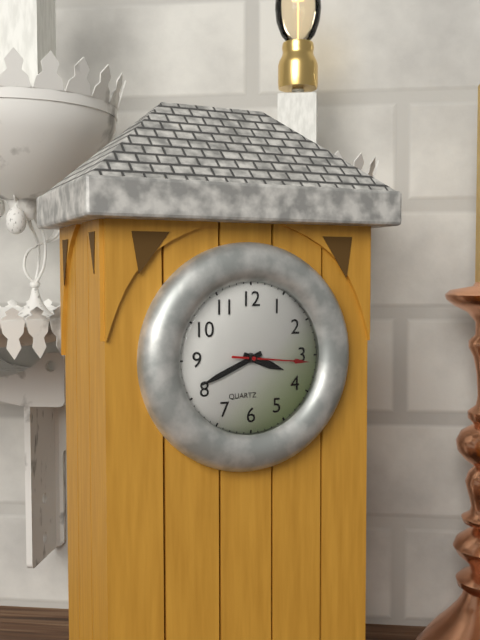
{"hour": 3, "minute": 41, "second": 16}
